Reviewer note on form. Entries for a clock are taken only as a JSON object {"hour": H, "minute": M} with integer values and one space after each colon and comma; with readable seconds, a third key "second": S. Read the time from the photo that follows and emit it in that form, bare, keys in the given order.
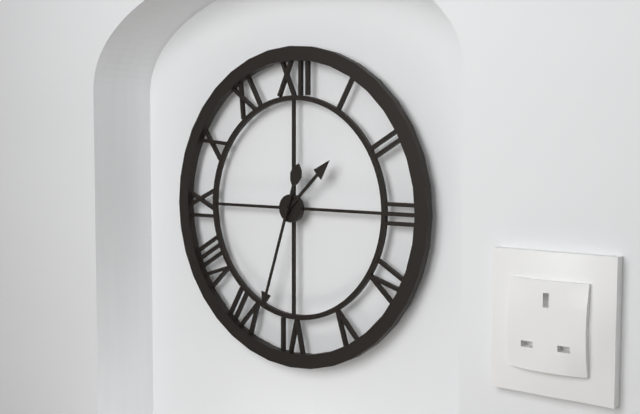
{"hour": 1, "minute": 33}
